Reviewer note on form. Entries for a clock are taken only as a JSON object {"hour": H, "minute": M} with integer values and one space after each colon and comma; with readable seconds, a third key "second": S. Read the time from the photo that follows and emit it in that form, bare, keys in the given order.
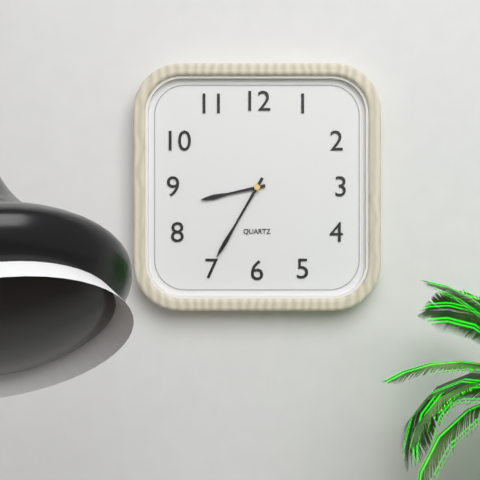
{"hour": 8, "minute": 35}
